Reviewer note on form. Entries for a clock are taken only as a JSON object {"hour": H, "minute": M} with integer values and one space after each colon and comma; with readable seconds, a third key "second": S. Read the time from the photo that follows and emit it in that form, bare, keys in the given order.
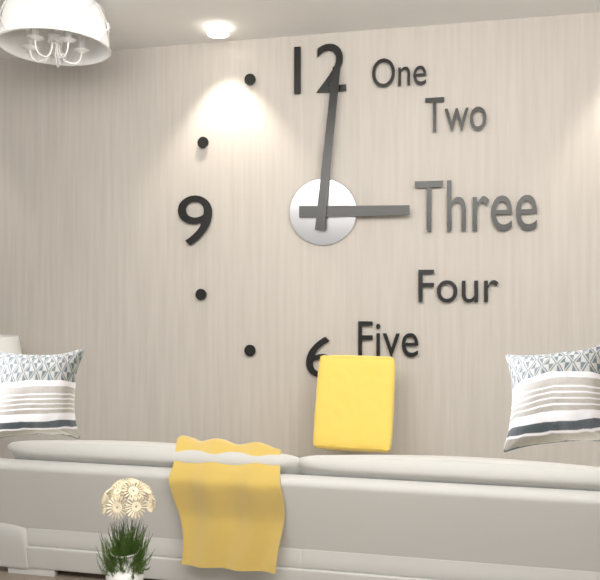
{"hour": 3, "minute": 1}
